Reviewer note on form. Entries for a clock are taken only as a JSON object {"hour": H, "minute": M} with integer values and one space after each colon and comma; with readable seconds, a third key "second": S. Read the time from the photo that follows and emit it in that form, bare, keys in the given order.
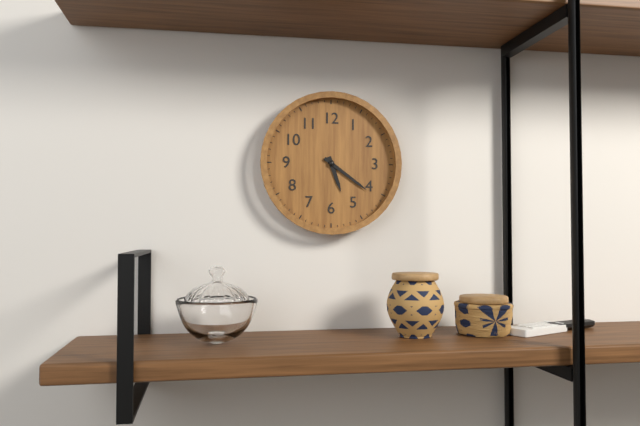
{"hour": 5, "minute": 21}
